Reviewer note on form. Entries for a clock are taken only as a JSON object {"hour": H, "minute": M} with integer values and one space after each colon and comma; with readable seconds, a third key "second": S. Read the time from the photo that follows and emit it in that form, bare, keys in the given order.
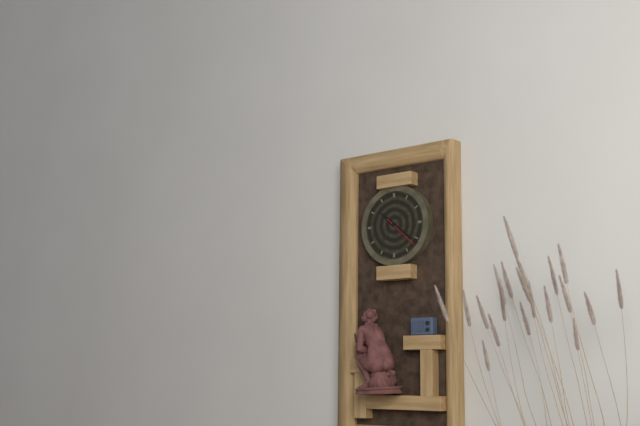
{"hour": 10, "minute": 21}
